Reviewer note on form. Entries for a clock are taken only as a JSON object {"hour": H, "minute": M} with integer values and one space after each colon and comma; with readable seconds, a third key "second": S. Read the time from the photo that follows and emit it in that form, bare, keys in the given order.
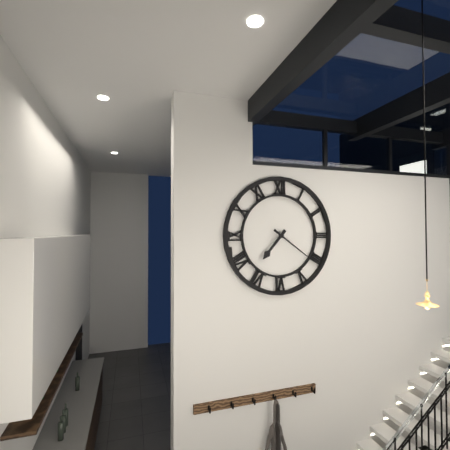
{"hour": 7, "minute": 21}
